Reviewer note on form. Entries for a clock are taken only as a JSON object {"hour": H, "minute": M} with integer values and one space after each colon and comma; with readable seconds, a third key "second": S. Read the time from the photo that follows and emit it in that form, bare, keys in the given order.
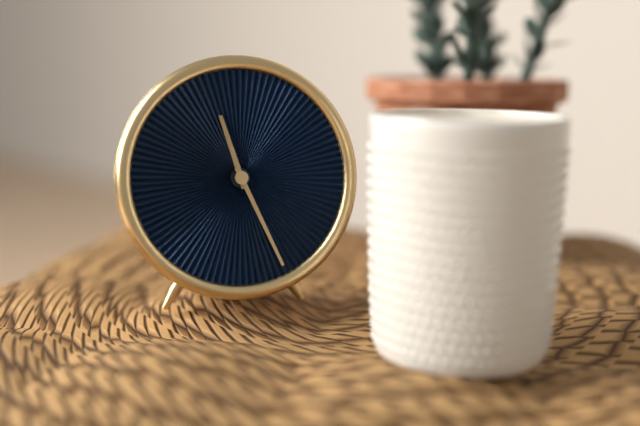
{"hour": 11, "minute": 26}
